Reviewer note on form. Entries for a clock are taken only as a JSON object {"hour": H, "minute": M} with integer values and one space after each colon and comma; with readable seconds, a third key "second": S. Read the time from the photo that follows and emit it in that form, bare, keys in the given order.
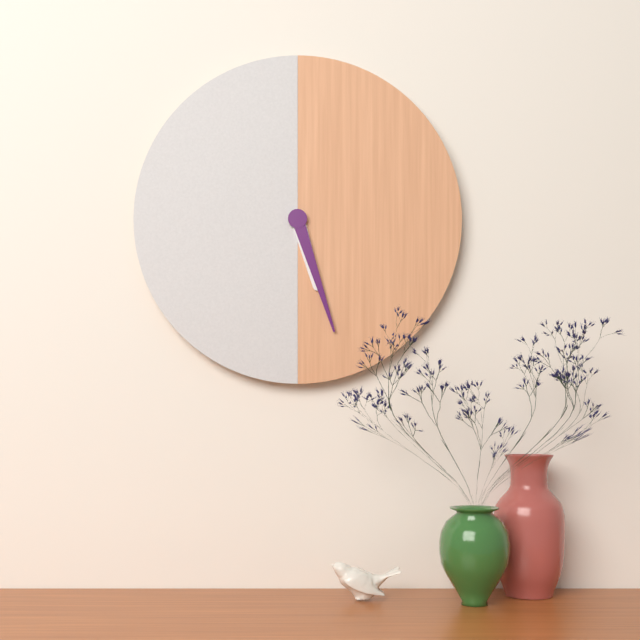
{"hour": 5, "minute": 27}
